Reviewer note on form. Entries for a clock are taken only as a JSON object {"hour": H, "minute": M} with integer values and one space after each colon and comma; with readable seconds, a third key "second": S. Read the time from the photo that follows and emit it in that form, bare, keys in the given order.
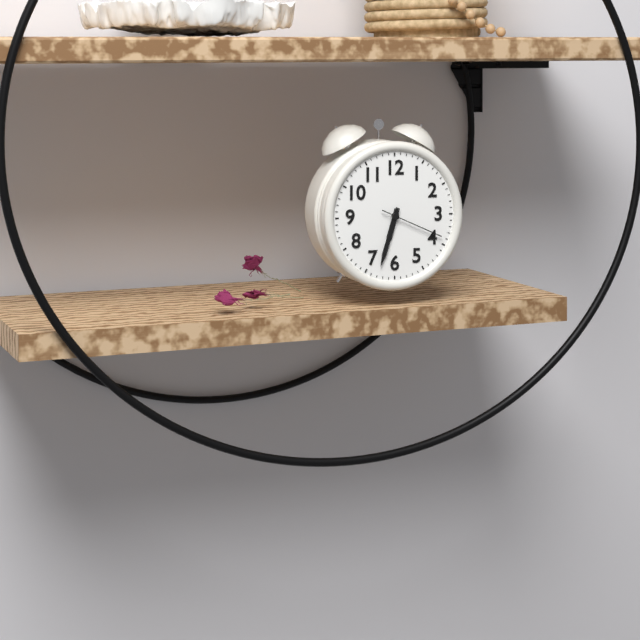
{"hour": 6, "minute": 33, "second": 19}
